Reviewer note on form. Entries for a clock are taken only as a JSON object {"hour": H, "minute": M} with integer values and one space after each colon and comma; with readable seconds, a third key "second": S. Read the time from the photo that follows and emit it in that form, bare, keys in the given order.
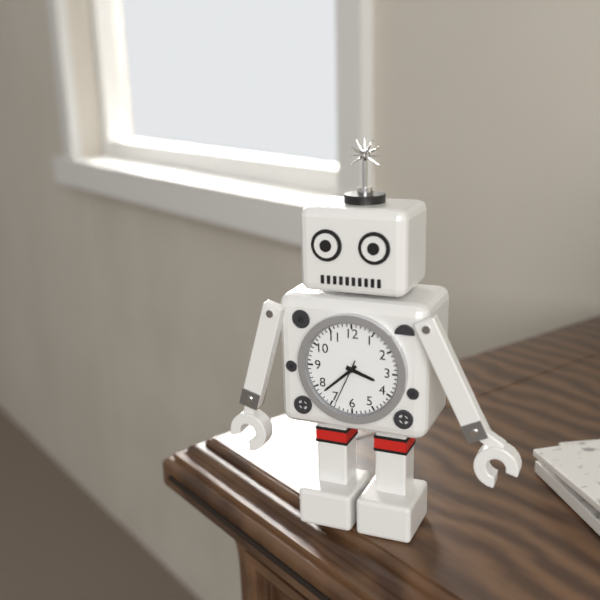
{"hour": 3, "minute": 38, "second": 34}
